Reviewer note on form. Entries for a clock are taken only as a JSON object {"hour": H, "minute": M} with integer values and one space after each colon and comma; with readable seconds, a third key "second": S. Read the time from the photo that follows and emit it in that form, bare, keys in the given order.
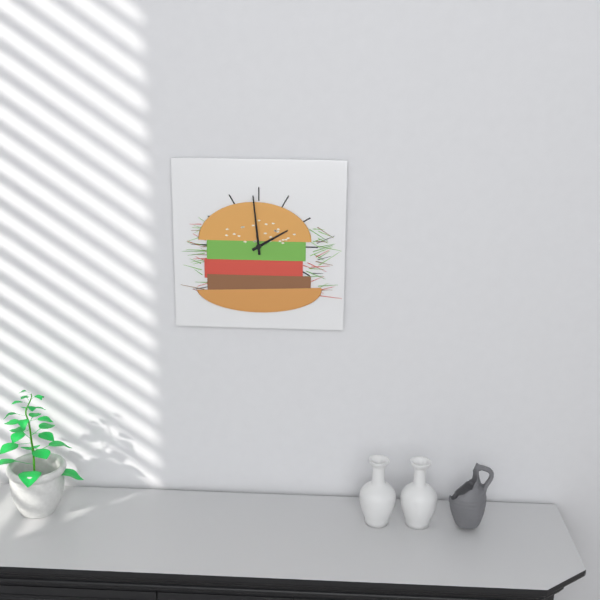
{"hour": 1, "minute": 59}
